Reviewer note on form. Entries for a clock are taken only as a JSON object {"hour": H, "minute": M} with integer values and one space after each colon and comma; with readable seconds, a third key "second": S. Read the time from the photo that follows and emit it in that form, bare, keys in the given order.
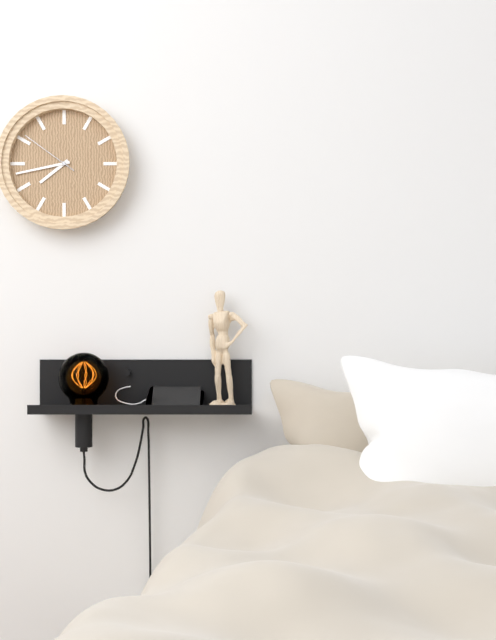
{"hour": 7, "minute": 43, "second": 51}
